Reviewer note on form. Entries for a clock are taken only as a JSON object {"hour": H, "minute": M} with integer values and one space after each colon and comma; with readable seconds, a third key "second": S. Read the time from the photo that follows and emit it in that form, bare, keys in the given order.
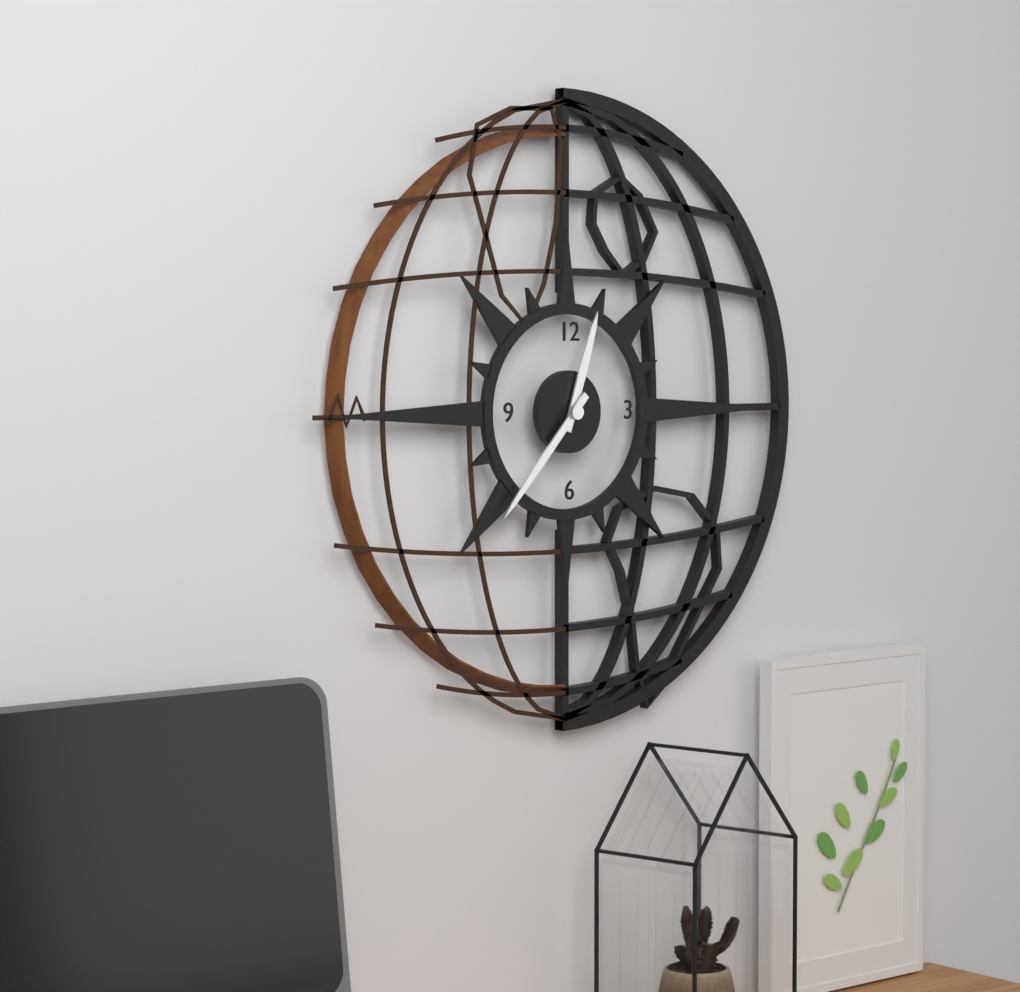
{"hour": 12, "minute": 37}
